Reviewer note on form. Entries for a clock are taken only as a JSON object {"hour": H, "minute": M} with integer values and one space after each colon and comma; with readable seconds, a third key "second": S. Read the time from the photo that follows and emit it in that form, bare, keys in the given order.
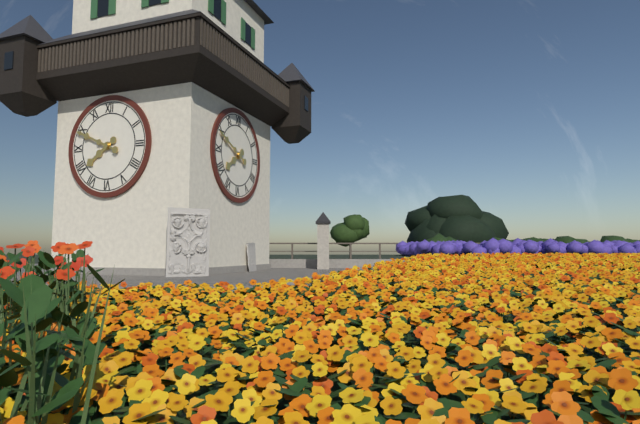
{"hour": 7, "minute": 49}
